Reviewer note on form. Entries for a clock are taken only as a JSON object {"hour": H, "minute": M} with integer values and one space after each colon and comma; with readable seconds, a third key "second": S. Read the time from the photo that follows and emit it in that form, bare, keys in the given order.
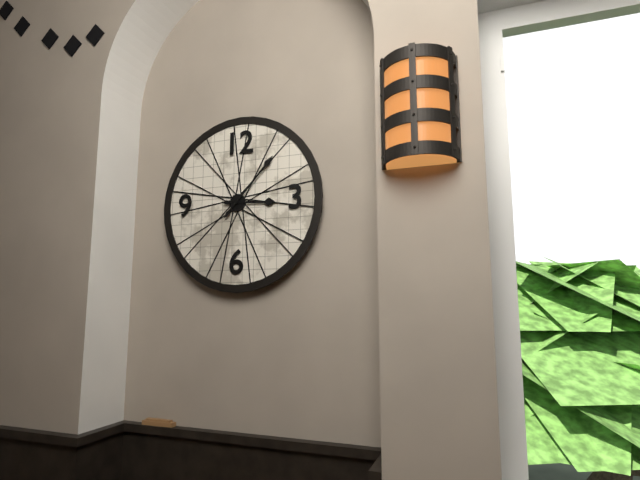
{"hour": 3, "minute": 7}
